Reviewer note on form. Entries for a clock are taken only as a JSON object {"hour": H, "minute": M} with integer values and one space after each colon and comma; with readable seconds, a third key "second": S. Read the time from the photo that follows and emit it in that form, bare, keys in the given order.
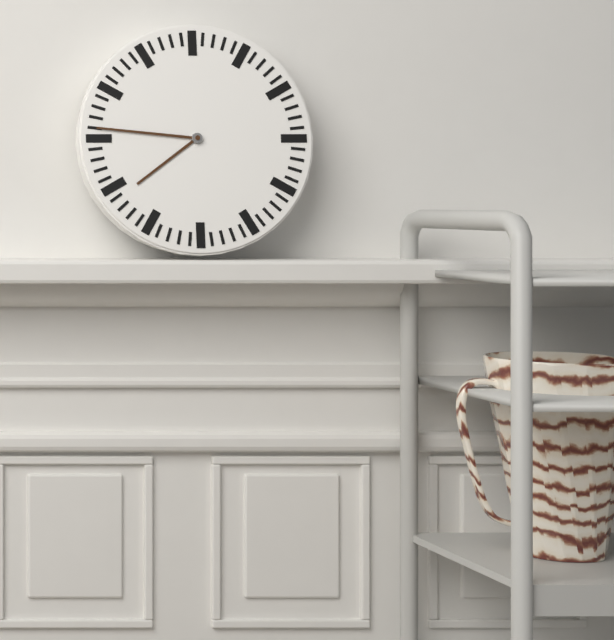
{"hour": 7, "minute": 46}
